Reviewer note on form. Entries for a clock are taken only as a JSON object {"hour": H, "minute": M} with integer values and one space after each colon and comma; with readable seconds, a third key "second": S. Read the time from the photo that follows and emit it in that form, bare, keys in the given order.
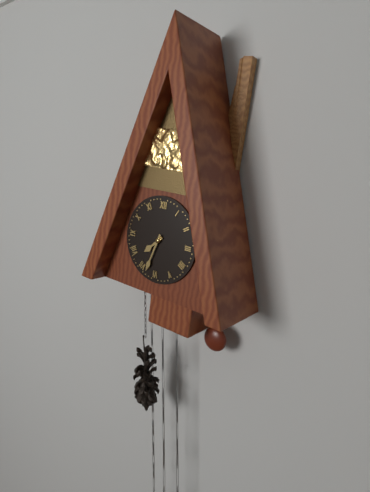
{"hour": 7, "minute": 33}
